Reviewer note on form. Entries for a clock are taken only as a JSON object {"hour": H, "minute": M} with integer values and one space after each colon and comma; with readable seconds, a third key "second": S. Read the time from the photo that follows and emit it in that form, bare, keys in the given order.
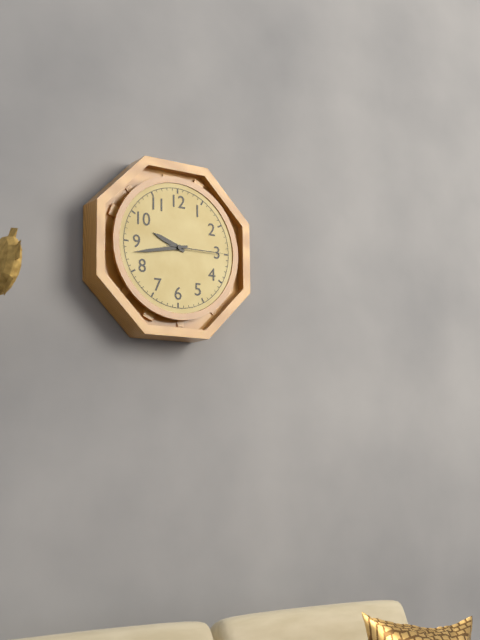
{"hour": 9, "minute": 43, "second": 15}
